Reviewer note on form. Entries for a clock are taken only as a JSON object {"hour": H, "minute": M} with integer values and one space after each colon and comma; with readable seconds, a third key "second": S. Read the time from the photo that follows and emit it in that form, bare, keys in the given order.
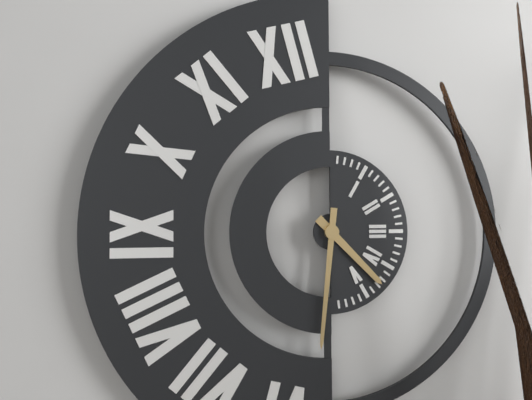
{"hour": 4, "minute": 31}
